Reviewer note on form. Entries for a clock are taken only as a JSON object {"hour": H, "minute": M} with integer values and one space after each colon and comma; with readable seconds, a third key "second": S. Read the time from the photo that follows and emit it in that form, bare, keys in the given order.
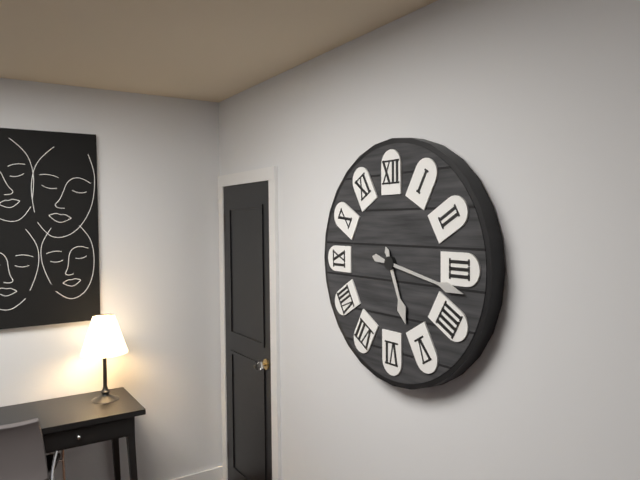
{"hour": 5, "minute": 17}
